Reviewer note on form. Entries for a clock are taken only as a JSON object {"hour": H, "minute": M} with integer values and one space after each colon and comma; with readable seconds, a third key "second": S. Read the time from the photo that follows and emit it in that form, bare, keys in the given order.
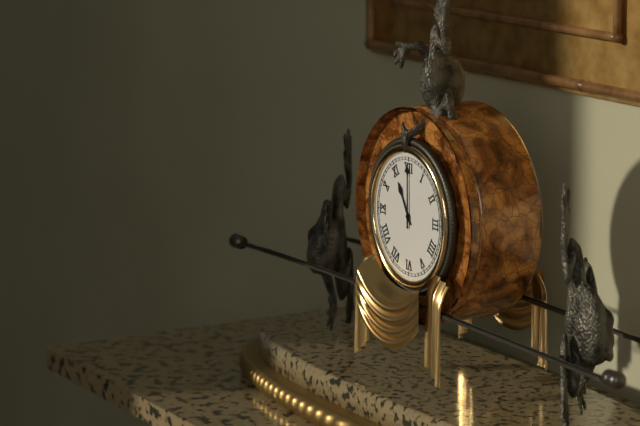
{"hour": 11, "minute": 0}
